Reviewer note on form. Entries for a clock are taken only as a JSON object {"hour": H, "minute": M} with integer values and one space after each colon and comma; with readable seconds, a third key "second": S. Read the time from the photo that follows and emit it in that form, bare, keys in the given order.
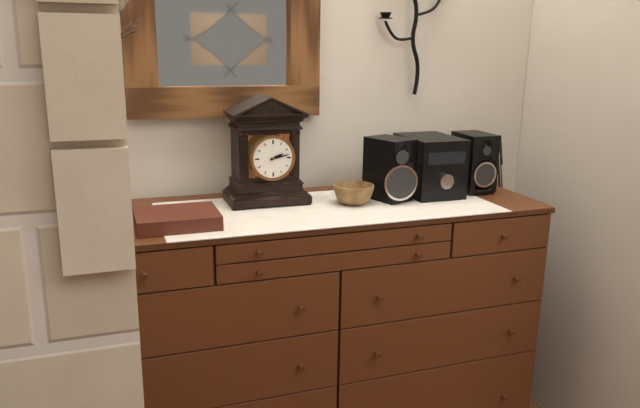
{"hour": 2, "minute": 13}
